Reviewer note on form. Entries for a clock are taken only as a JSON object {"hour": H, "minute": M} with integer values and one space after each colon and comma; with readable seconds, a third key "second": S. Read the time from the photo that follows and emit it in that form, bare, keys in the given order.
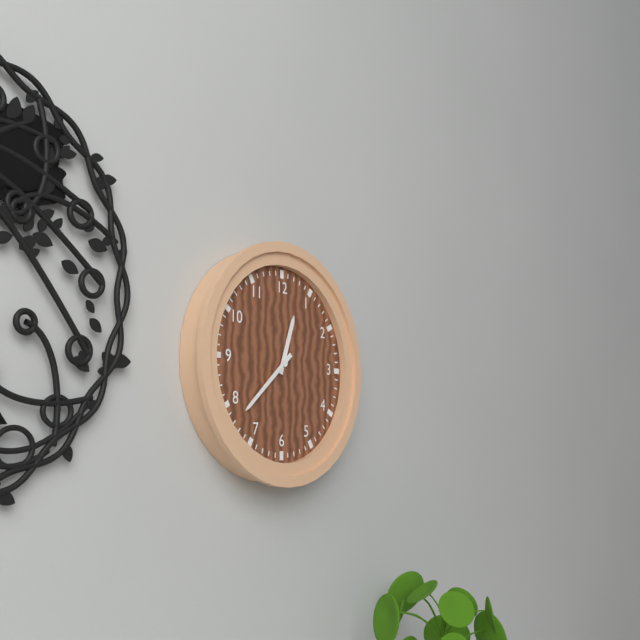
{"hour": 12, "minute": 38}
